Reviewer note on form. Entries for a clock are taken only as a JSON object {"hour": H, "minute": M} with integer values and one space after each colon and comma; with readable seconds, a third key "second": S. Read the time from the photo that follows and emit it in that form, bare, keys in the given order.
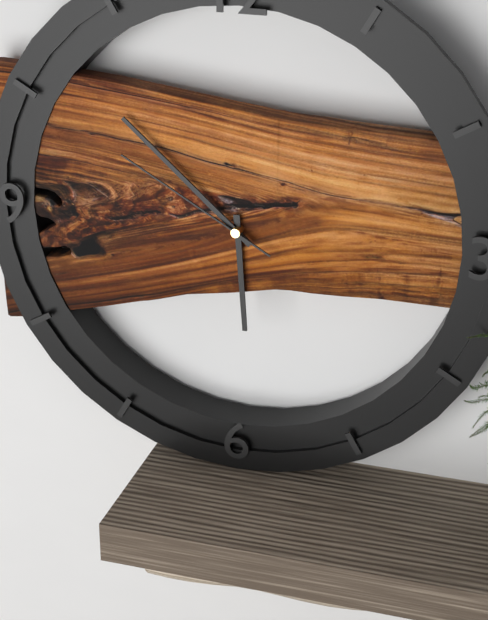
{"hour": 5, "minute": 52, "second": 50}
